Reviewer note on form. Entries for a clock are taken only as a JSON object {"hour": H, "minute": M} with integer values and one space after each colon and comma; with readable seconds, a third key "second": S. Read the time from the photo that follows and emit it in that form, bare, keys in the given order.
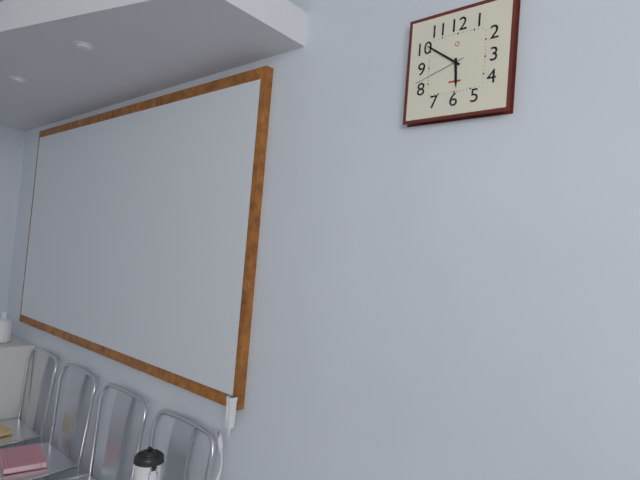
{"hour": 5, "minute": 51, "second": 42}
